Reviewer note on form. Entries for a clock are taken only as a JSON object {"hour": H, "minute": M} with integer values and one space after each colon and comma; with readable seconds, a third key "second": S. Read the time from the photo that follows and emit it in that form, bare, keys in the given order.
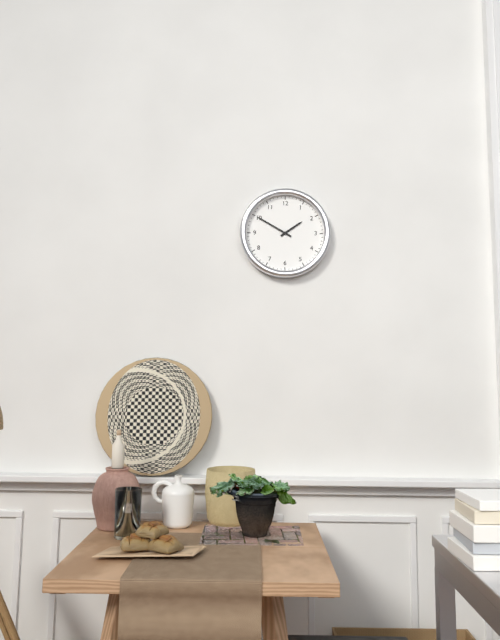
{"hour": 1, "minute": 50}
